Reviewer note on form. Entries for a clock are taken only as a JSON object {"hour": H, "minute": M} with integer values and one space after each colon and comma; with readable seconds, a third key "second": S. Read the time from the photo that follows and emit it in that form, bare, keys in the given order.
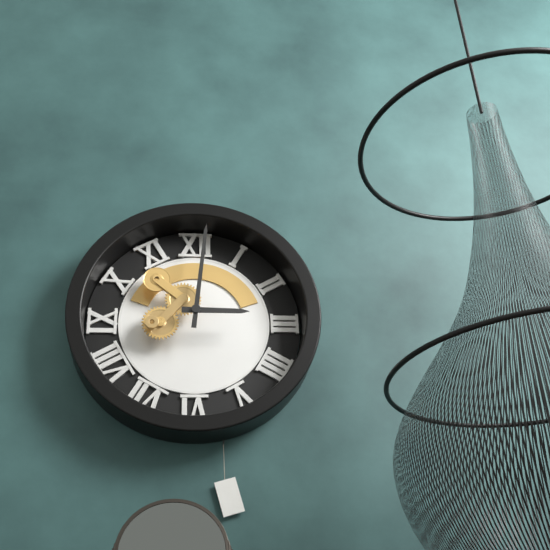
{"hour": 3, "minute": 1}
